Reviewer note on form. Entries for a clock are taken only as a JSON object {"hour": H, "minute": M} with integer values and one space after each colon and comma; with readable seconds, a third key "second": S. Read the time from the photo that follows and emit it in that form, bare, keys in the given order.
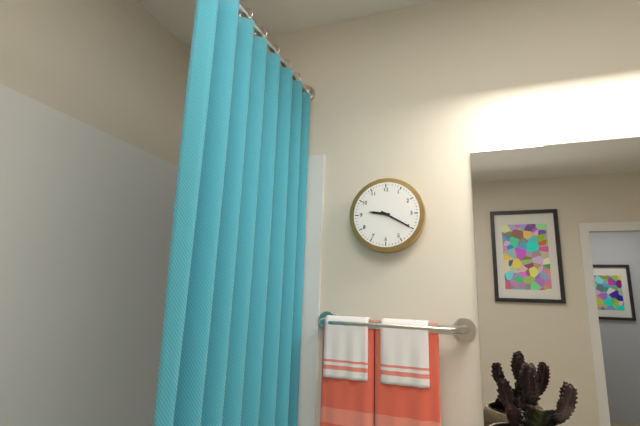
{"hour": 9, "minute": 20}
